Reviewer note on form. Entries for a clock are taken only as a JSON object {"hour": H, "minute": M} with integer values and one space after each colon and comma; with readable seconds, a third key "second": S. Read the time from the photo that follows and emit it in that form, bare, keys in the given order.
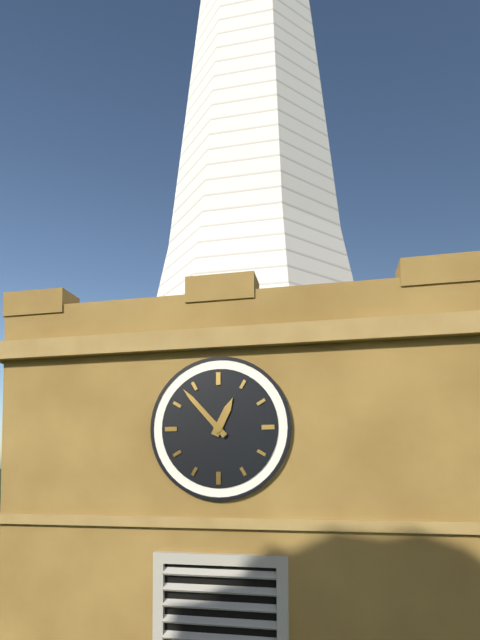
{"hour": 12, "minute": 53}
